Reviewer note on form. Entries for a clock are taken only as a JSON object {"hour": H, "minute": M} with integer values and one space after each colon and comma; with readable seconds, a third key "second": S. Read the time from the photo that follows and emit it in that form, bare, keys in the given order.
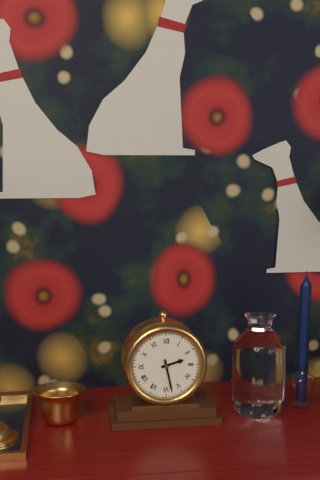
{"hour": 2, "minute": 28}
